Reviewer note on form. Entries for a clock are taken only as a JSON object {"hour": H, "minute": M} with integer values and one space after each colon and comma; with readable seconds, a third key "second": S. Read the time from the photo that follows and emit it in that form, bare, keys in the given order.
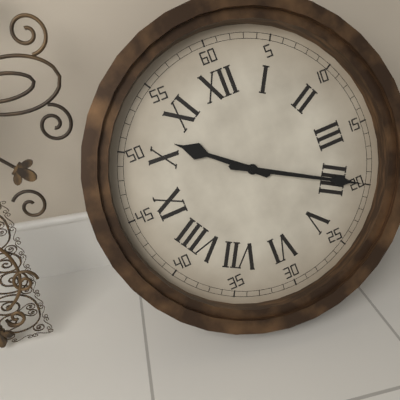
{"hour": 10, "minute": 20}
